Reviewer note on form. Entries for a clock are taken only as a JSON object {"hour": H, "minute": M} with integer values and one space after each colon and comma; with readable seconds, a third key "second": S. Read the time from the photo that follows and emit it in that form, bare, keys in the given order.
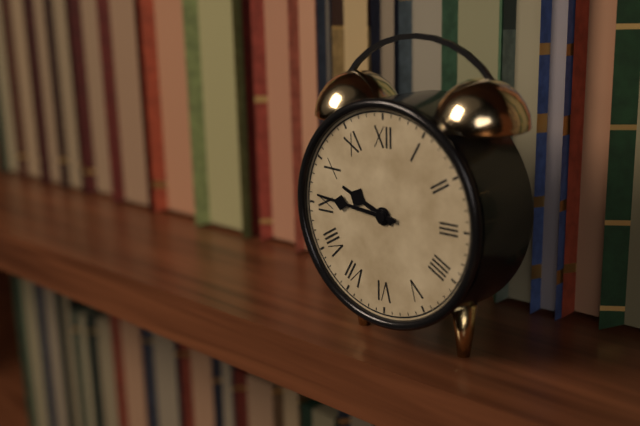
{"hour": 9, "minute": 46}
